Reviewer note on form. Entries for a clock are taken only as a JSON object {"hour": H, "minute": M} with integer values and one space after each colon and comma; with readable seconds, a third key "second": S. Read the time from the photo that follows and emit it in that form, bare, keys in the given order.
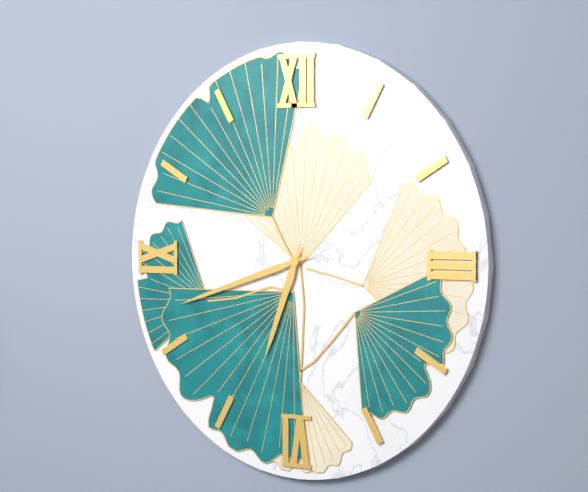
{"hour": 6, "minute": 42}
